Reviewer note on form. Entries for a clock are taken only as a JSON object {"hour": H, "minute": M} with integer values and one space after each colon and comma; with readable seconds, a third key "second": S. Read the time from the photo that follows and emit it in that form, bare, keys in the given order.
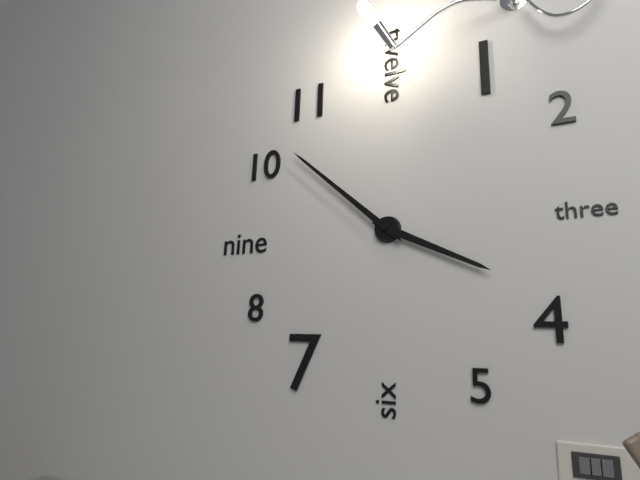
{"hour": 3, "minute": 52}
